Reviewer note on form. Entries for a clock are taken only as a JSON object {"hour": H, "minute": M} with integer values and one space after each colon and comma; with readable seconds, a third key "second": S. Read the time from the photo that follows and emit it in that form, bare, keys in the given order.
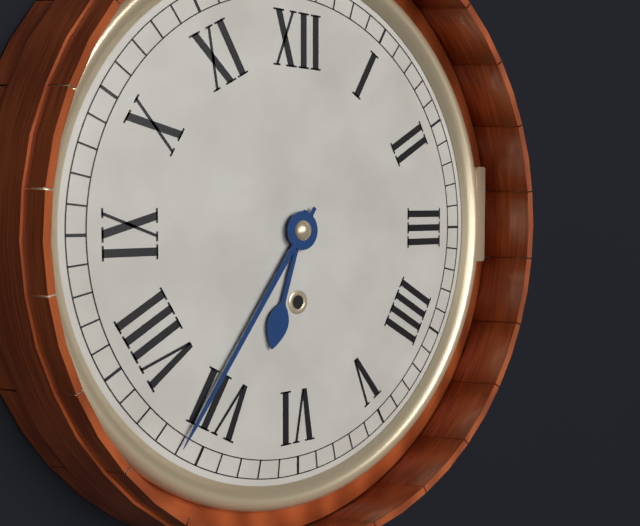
{"hour": 6, "minute": 36}
